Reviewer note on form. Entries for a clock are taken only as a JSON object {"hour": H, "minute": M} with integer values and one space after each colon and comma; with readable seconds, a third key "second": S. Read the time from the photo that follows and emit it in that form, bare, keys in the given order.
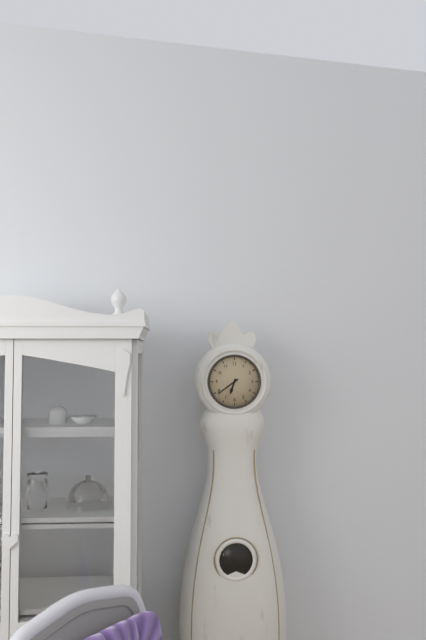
{"hour": 6, "minute": 39}
